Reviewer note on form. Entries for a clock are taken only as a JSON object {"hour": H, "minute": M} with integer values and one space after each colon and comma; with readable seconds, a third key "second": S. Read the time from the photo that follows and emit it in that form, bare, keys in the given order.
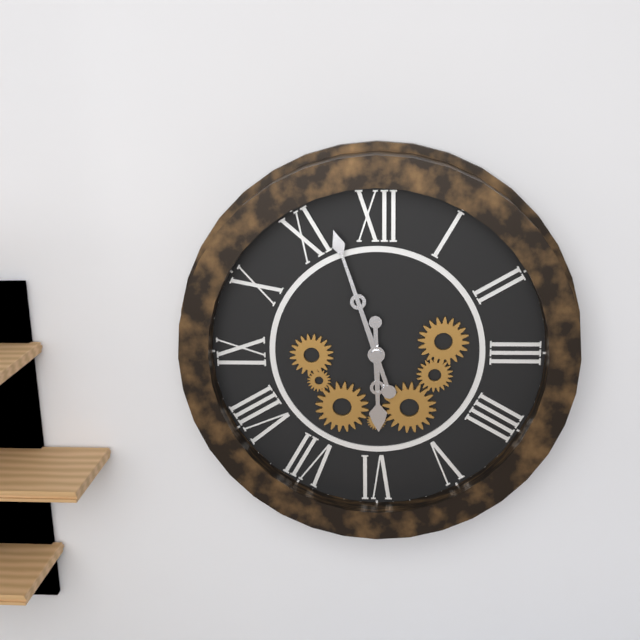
{"hour": 5, "minute": 57}
